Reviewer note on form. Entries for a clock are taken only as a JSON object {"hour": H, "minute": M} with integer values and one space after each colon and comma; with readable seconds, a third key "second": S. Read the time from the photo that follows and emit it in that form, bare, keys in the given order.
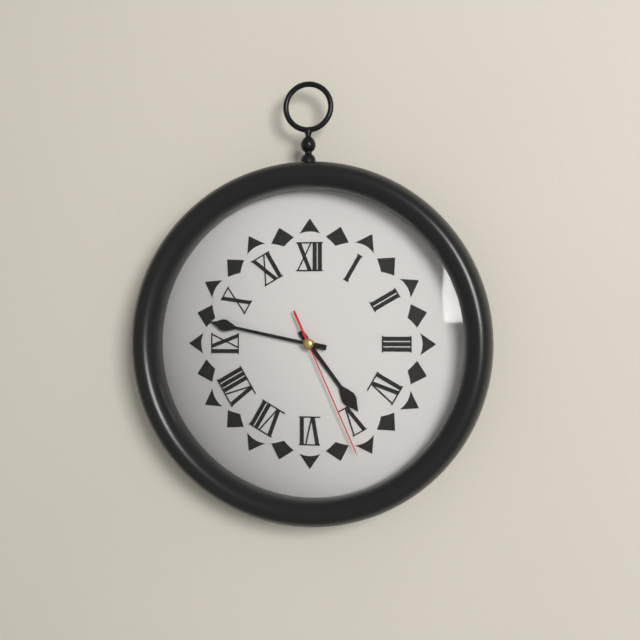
{"hour": 4, "minute": 47, "second": 26}
